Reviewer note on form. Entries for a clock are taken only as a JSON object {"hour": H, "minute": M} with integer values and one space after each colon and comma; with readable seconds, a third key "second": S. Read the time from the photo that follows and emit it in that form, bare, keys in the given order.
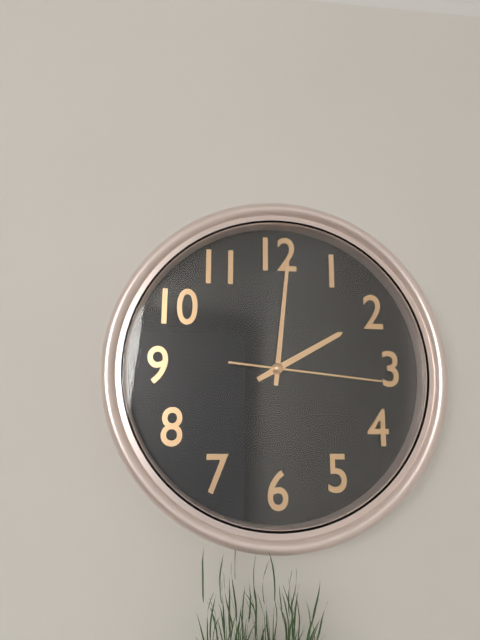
{"hour": 2, "minute": 1, "second": 16}
